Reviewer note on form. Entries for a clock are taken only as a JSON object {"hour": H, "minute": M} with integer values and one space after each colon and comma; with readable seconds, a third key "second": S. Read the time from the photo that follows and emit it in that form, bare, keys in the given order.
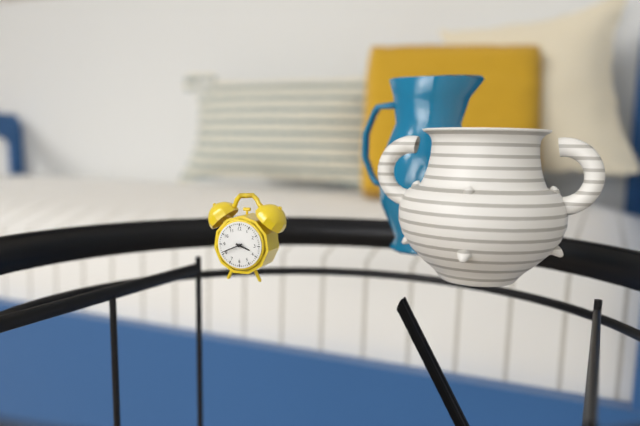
{"hour": 3, "minute": 41}
